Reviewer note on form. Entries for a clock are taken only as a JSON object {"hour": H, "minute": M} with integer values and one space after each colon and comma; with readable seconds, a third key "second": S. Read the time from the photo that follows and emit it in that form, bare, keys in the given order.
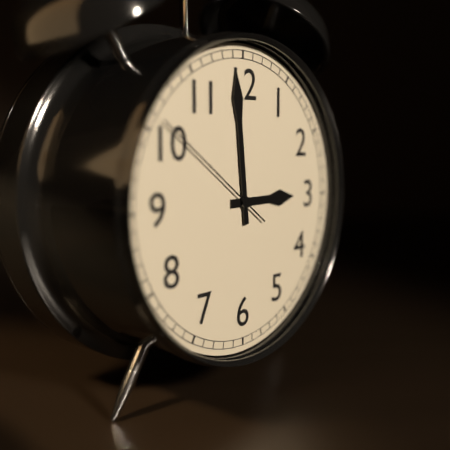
{"hour": 2, "minute": 59, "second": 51}
